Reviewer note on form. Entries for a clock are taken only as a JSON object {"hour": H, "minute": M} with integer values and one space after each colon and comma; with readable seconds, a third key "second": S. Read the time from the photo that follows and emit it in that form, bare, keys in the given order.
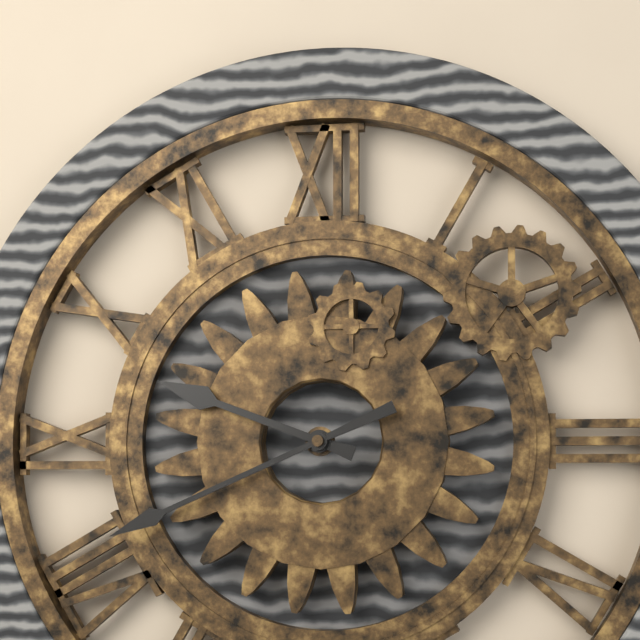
{"hour": 9, "minute": 41}
